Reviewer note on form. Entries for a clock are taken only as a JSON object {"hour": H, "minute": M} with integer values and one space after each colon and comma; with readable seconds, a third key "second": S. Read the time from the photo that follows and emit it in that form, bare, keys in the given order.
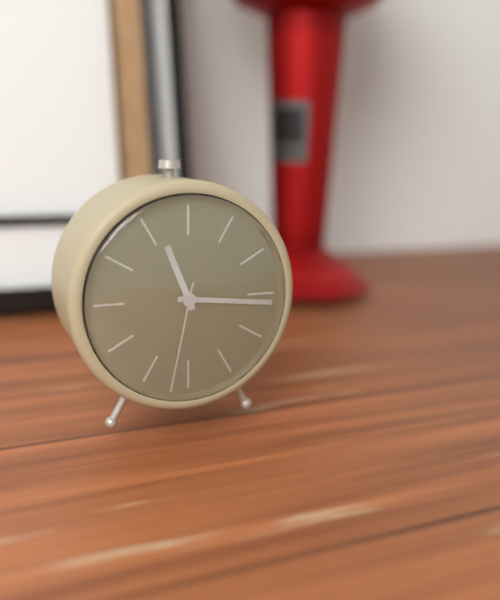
{"hour": 11, "minute": 16, "second": 32}
